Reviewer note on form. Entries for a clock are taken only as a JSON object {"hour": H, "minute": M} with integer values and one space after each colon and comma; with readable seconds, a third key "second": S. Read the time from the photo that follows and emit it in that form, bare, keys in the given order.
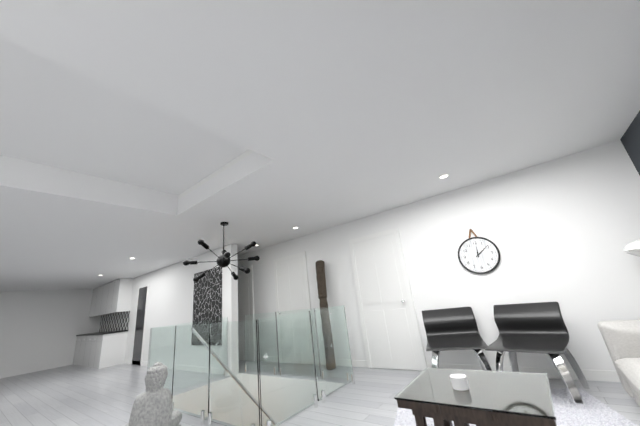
{"hour": 12, "minute": 9}
